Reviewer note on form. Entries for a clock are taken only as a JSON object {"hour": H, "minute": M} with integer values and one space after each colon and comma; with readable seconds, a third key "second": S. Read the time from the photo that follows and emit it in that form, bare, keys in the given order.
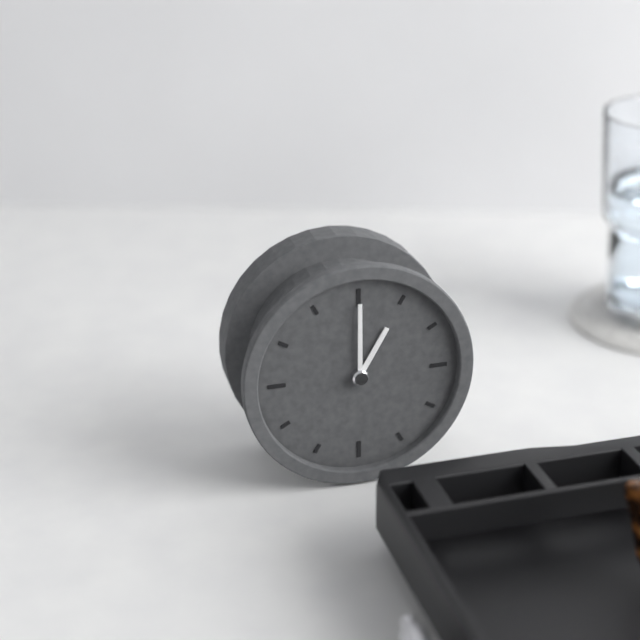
{"hour": 1, "minute": 0}
